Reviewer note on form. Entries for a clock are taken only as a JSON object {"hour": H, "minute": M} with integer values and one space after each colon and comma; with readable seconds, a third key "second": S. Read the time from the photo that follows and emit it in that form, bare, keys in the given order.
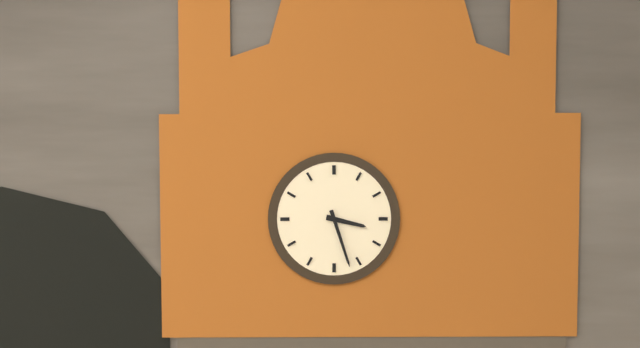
{"hour": 3, "minute": 27}
